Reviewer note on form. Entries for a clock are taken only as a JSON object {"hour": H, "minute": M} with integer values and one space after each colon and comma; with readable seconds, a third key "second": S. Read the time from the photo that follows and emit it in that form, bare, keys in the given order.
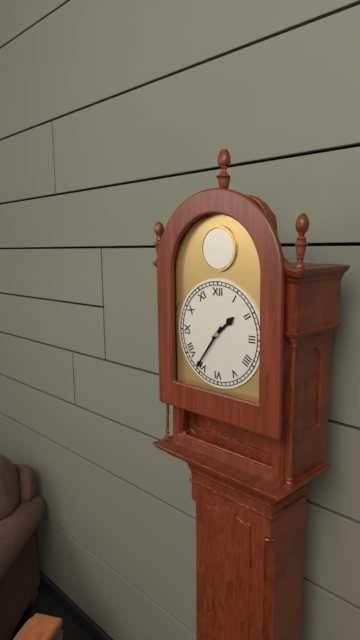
{"hour": 1, "minute": 36}
